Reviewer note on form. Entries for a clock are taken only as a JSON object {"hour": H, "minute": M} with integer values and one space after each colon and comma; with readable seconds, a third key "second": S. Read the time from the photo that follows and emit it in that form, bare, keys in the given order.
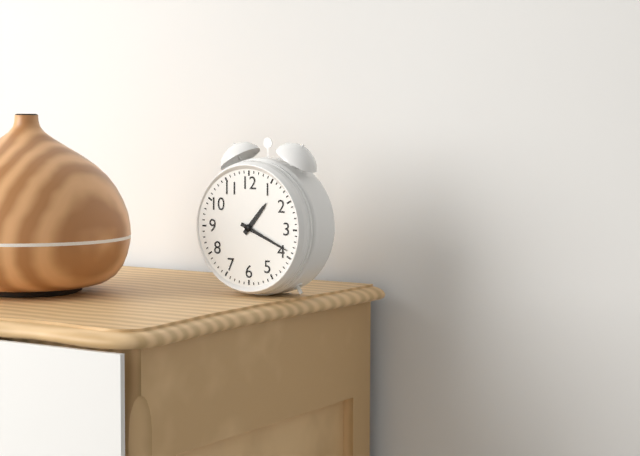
{"hour": 1, "minute": 19}
